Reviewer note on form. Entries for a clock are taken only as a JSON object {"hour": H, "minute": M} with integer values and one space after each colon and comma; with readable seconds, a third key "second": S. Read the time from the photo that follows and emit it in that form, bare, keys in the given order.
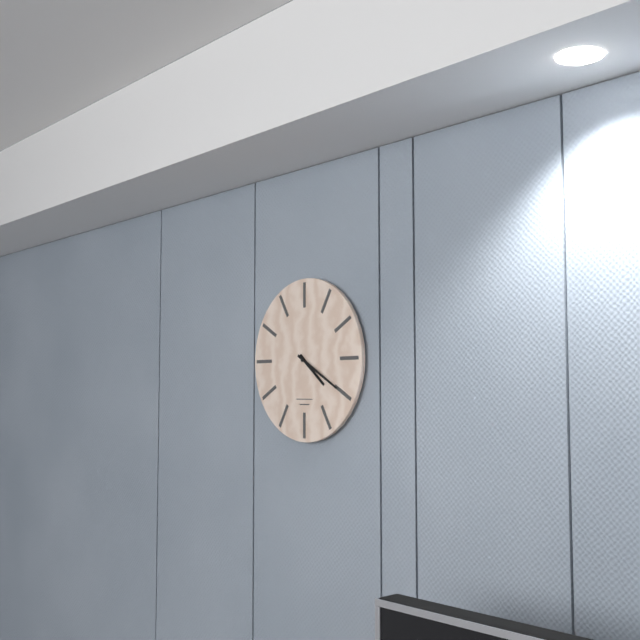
{"hour": 4, "minute": 20}
